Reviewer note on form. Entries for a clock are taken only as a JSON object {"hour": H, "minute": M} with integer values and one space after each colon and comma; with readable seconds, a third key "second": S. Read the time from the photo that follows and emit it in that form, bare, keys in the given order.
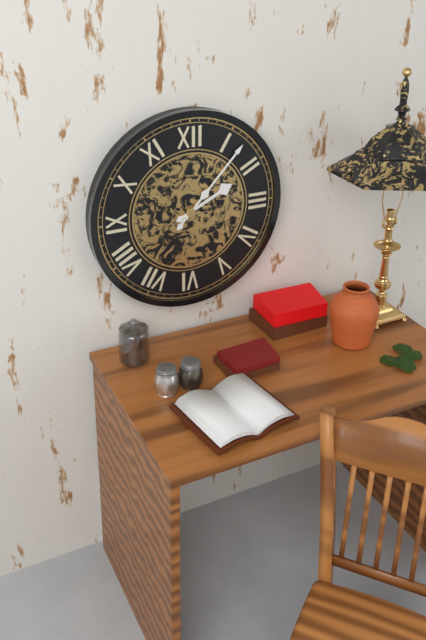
{"hour": 2, "minute": 7}
